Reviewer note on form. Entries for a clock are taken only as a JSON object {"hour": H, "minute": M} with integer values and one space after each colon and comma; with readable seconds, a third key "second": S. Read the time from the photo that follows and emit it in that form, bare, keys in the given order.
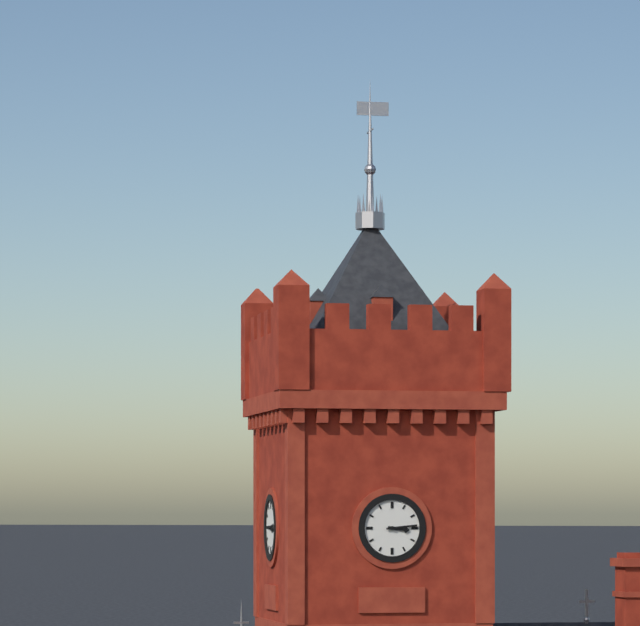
{"hour": 3, "minute": 14}
